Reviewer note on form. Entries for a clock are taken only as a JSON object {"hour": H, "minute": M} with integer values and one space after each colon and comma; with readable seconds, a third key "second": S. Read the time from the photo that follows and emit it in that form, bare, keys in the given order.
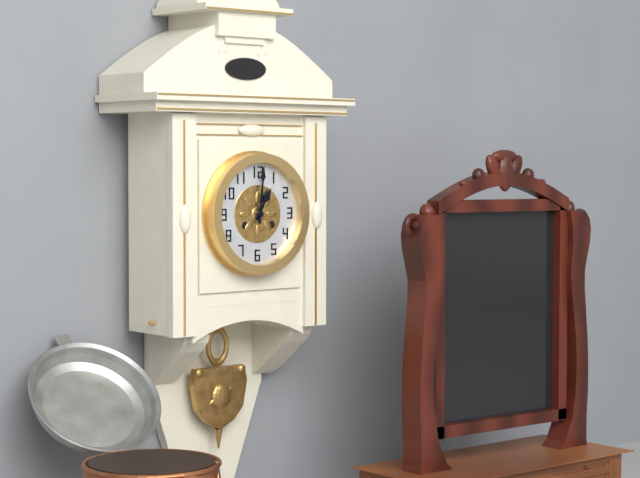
{"hour": 1, "minute": 1}
